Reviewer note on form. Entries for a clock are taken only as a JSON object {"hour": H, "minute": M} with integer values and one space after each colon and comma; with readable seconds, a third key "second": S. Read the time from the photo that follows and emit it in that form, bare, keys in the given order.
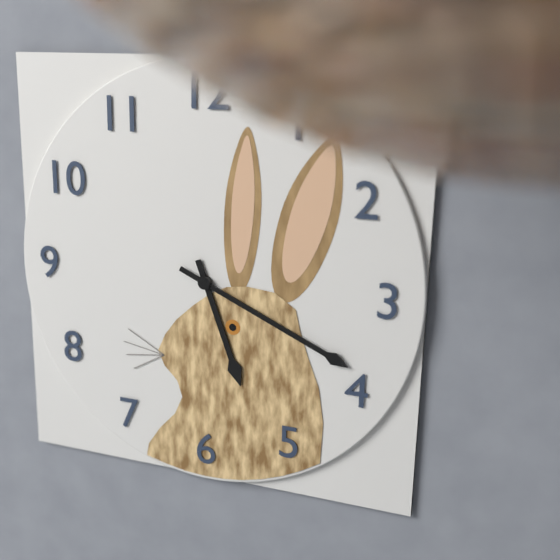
{"hour": 5, "minute": 19}
